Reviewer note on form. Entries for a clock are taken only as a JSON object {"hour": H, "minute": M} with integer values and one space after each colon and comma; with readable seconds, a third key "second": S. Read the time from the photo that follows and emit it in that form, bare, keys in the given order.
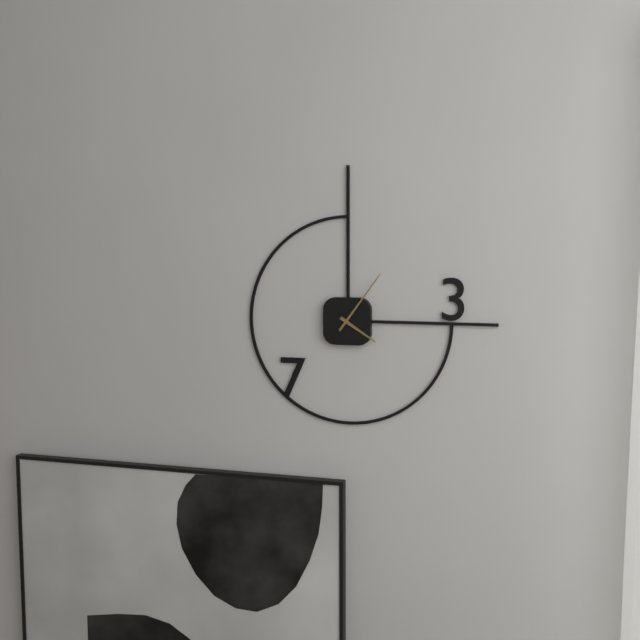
{"hour": 4, "minute": 6}
